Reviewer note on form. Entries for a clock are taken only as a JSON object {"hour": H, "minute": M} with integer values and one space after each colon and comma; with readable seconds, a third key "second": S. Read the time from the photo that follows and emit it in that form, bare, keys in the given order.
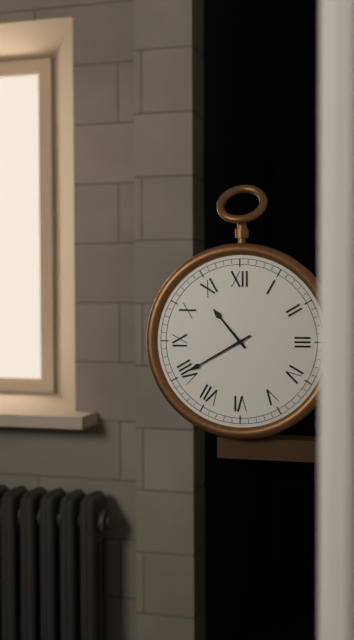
{"hour": 10, "minute": 40}
